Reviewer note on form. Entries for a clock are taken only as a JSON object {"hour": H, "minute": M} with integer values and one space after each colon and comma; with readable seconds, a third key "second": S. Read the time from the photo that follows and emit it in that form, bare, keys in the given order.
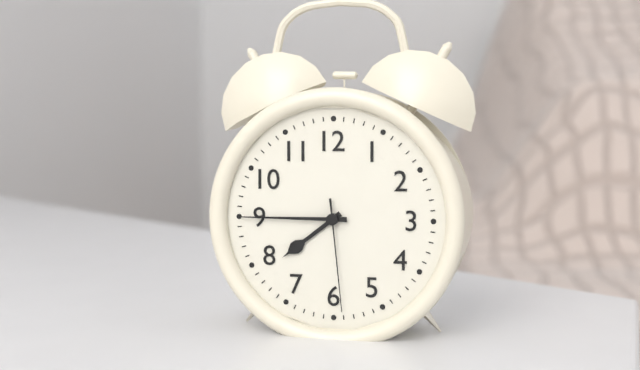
{"hour": 7, "minute": 45, "second": 29}
